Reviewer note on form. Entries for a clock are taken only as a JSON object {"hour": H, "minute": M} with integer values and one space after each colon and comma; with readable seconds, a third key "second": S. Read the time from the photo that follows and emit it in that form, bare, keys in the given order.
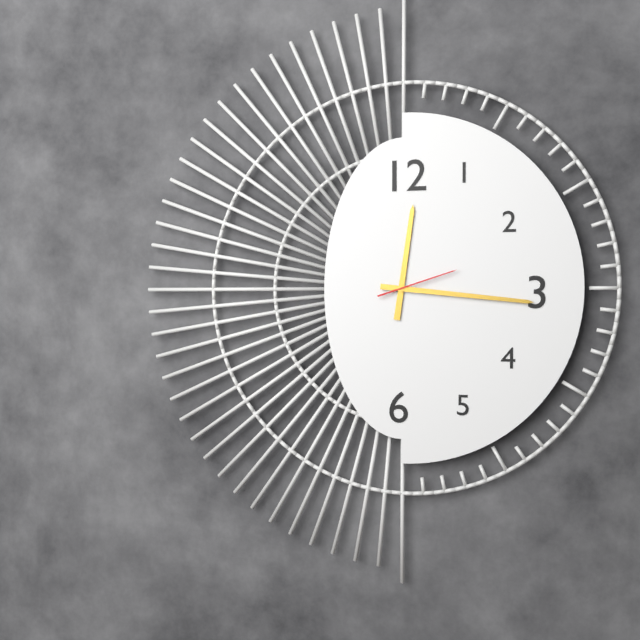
{"hour": 12, "minute": 16, "second": 12}
